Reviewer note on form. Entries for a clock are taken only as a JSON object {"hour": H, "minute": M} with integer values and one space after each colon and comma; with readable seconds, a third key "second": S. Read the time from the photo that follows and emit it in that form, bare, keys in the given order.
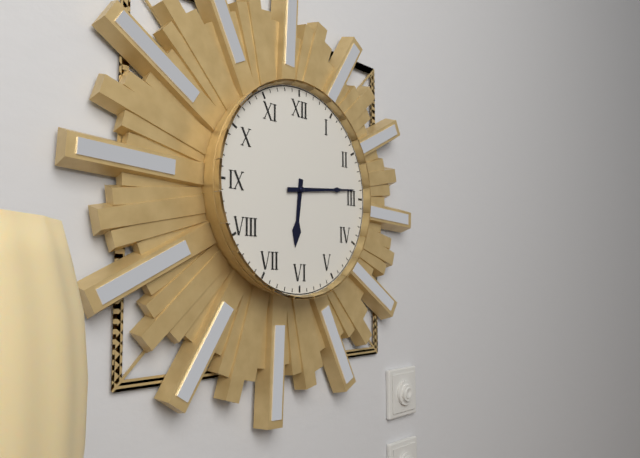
{"hour": 6, "minute": 14}
